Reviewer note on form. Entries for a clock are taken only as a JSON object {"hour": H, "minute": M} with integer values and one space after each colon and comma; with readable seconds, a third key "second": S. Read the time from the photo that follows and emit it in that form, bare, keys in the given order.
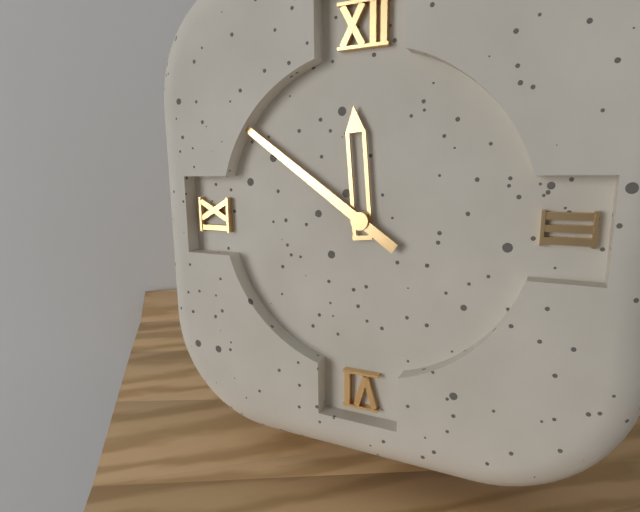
{"hour": 11, "minute": 51}
